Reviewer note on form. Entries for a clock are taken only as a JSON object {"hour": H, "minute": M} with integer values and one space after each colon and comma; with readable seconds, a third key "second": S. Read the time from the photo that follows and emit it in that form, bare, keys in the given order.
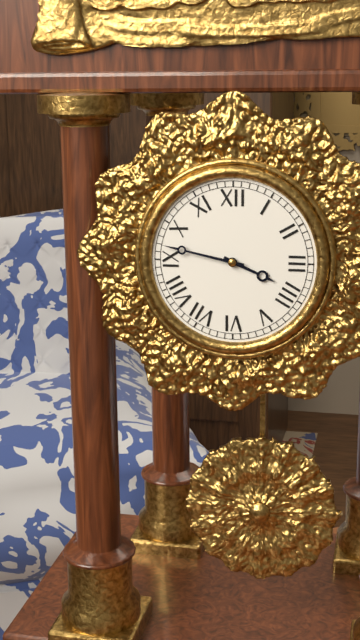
{"hour": 3, "minute": 47}
